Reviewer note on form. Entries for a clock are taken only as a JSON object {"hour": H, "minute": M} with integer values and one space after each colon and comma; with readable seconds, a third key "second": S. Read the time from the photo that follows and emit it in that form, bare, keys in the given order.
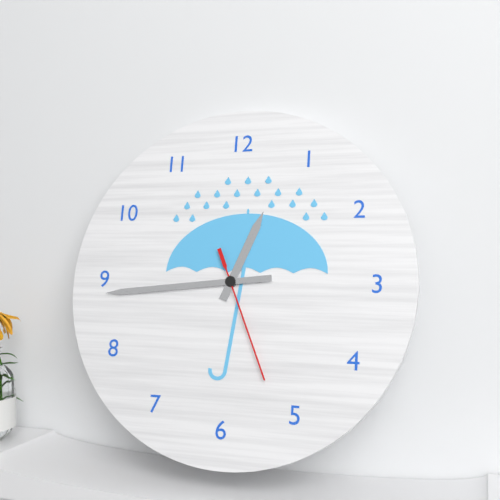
{"hour": 12, "minute": 44, "second": 26}
